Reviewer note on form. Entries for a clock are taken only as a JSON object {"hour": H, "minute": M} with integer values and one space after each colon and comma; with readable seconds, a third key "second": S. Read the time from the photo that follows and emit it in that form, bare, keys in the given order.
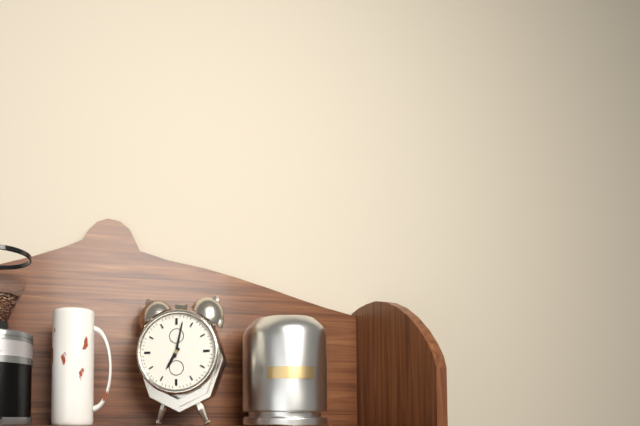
{"hour": 7, "minute": 2}
